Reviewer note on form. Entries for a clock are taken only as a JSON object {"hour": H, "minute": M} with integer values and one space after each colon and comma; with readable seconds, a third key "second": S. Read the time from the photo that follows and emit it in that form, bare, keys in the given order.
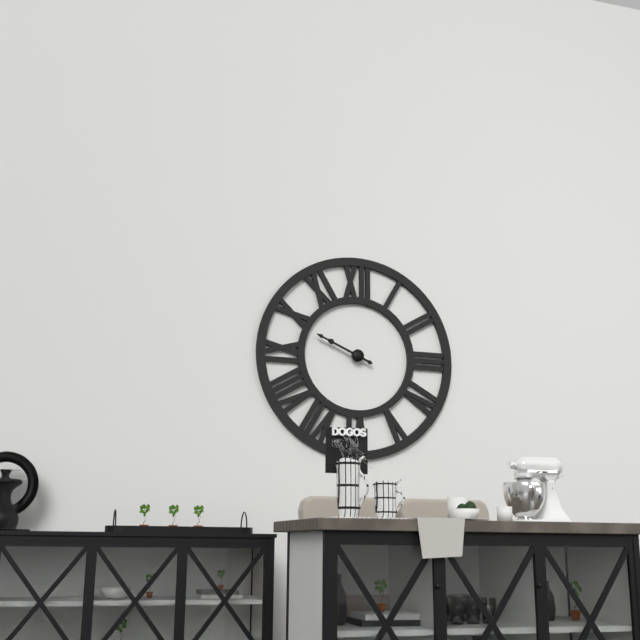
{"hour": 9, "minute": 49}
